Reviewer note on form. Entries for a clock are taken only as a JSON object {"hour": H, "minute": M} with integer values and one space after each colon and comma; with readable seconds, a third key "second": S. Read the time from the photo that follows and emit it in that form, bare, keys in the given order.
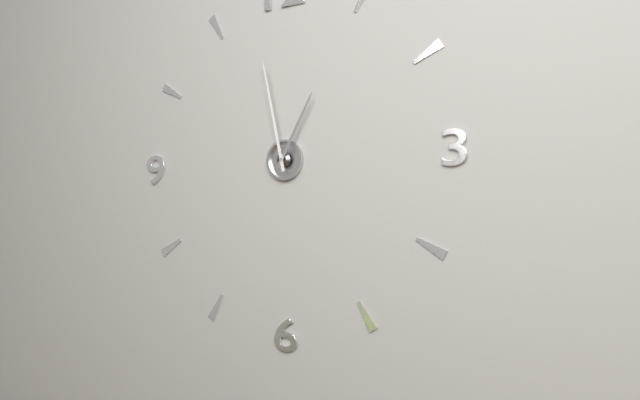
{"hour": 12, "minute": 58}
